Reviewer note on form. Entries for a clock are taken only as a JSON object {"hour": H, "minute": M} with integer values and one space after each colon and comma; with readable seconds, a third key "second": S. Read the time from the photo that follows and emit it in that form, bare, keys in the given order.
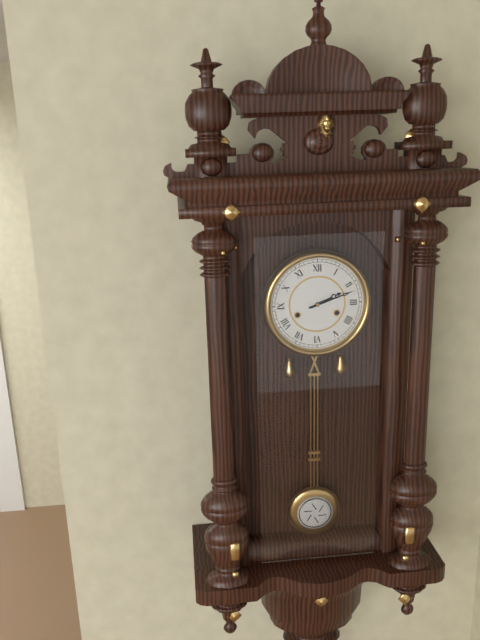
{"hour": 2, "minute": 12}
